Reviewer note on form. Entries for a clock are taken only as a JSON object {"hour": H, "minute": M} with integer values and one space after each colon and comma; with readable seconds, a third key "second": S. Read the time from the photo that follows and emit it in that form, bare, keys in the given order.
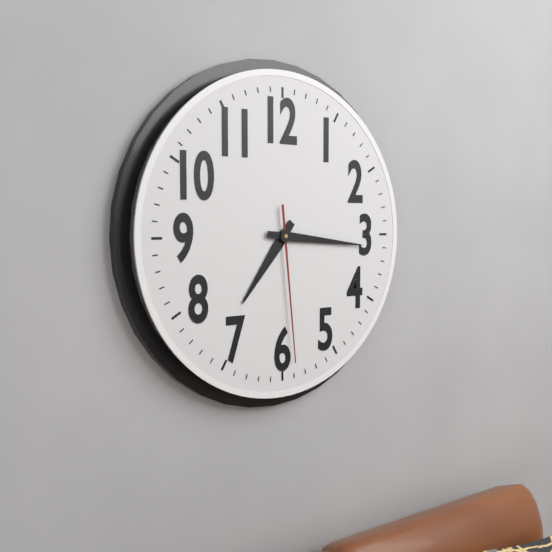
{"hour": 7, "minute": 16, "second": 29}
